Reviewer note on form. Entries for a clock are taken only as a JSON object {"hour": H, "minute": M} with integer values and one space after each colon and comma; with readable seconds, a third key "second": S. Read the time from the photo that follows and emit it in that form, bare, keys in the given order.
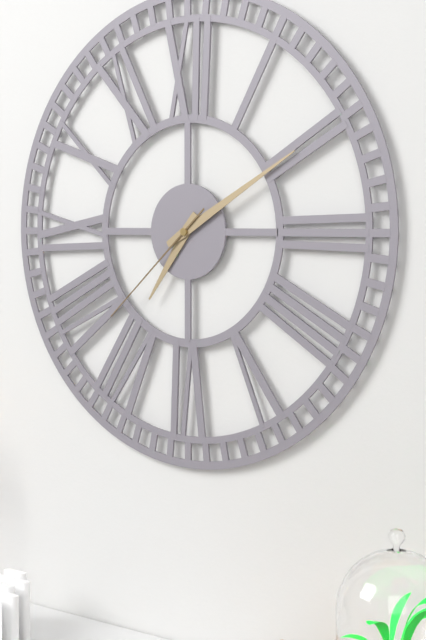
{"hour": 7, "minute": 10, "second": 38}
